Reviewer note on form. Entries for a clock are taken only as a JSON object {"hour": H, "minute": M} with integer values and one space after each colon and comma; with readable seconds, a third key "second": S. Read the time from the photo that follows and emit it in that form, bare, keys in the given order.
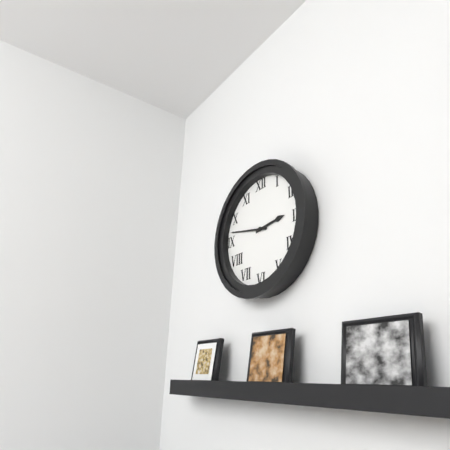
{"hour": 2, "minute": 47}
